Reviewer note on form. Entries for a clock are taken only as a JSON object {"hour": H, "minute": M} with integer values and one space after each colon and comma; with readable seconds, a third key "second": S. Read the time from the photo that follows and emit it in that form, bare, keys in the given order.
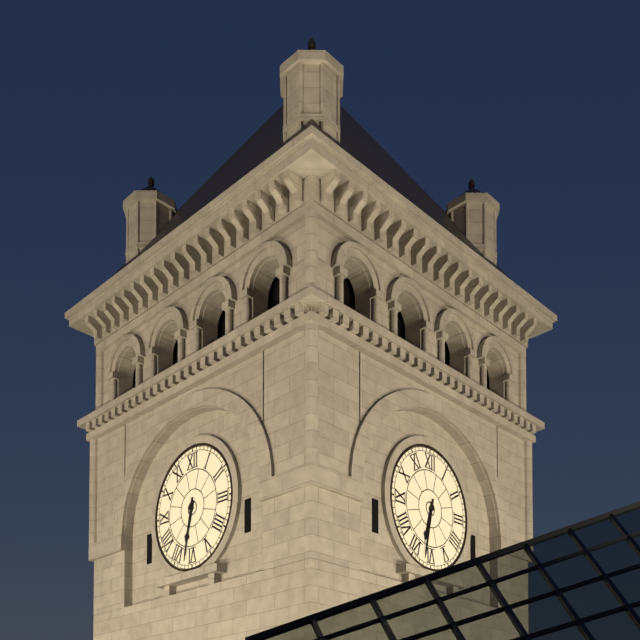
{"hour": 6, "minute": 32}
